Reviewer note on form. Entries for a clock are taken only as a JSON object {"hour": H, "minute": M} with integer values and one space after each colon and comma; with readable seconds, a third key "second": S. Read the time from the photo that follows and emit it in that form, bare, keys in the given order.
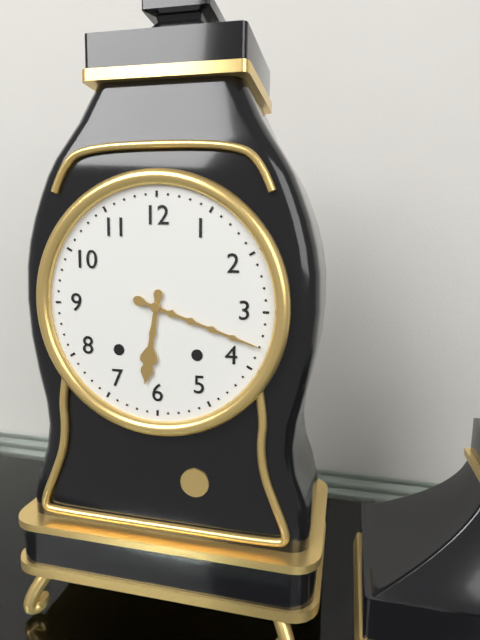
{"hour": 6, "minute": 18}
